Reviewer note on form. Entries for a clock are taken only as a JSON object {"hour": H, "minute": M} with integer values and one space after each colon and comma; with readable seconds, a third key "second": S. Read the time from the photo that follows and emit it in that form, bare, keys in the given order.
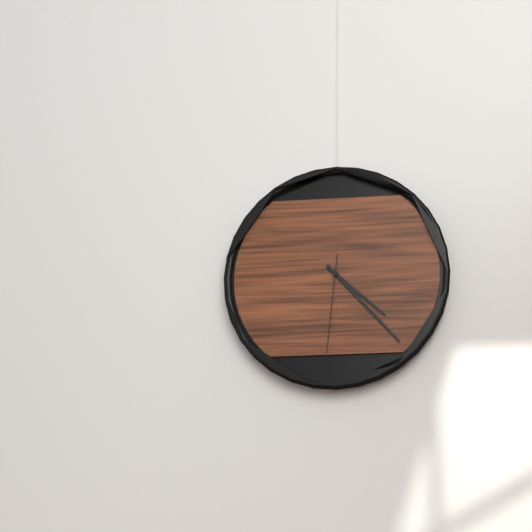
{"hour": 4, "minute": 23, "second": 31}
